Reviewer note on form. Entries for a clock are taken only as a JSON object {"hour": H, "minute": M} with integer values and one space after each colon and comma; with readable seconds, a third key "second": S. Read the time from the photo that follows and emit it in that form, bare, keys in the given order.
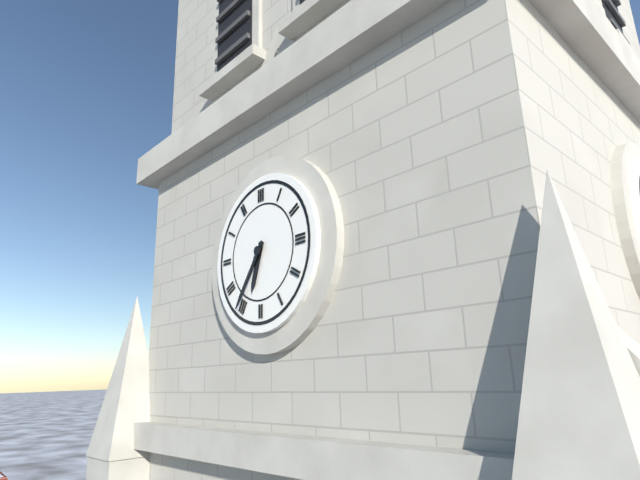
{"hour": 6, "minute": 36}
